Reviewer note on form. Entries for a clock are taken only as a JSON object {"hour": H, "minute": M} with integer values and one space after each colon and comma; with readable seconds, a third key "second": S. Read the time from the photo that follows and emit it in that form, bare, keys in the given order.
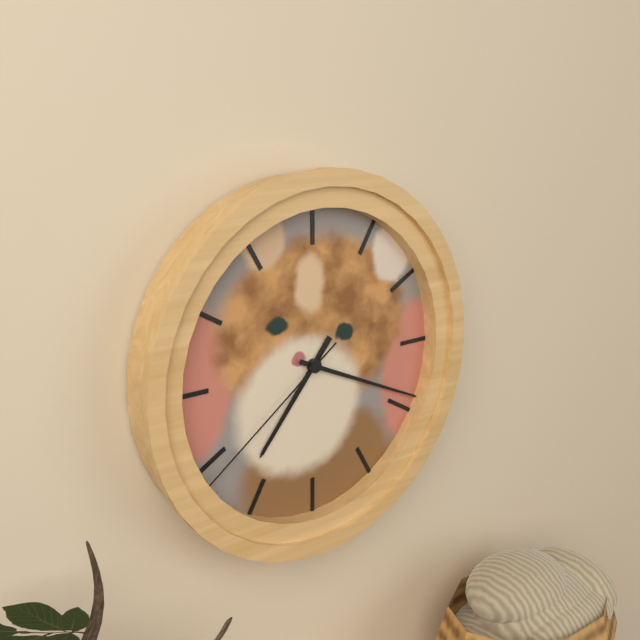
{"hour": 7, "minute": 19, "second": 39}
